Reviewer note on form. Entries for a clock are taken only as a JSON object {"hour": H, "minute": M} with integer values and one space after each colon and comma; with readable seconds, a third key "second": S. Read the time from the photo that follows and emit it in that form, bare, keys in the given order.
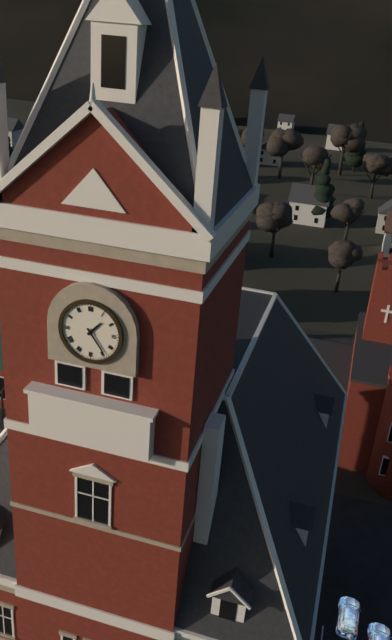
{"hour": 1, "minute": 24}
